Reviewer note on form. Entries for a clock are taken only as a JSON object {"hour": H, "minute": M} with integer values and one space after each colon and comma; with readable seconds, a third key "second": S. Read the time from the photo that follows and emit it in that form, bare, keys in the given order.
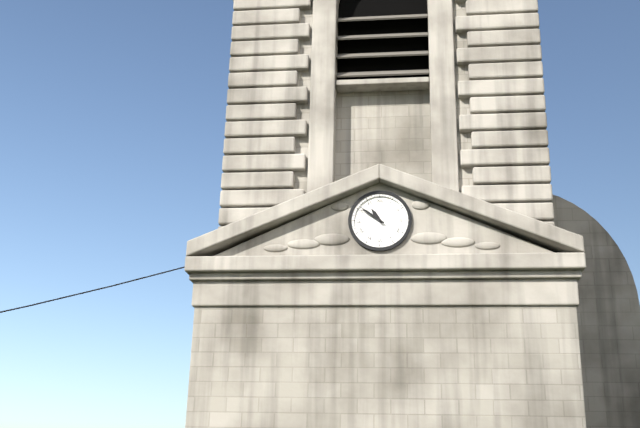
{"hour": 10, "minute": 51}
